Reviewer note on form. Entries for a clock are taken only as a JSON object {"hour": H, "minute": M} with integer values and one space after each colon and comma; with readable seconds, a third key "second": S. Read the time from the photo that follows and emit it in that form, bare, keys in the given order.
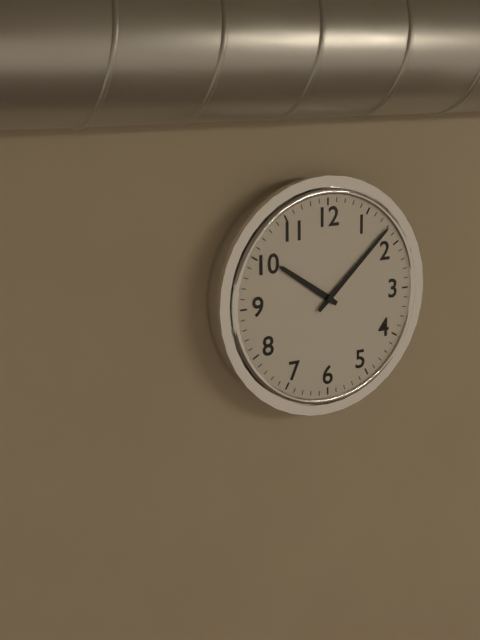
{"hour": 10, "minute": 8}
